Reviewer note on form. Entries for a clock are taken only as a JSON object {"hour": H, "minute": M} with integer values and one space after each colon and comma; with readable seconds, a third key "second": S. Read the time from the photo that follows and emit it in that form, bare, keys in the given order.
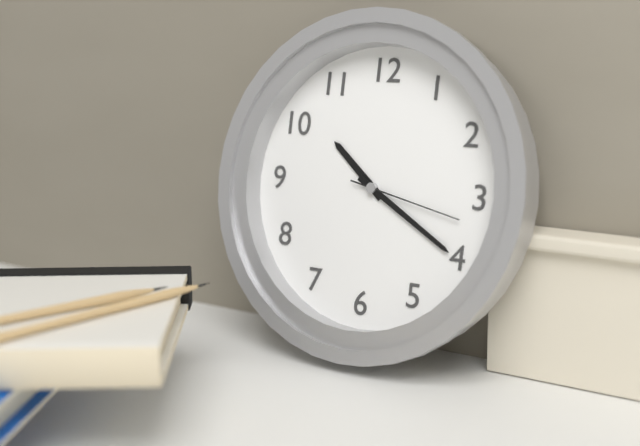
{"hour": 10, "minute": 20, "second": 17}
